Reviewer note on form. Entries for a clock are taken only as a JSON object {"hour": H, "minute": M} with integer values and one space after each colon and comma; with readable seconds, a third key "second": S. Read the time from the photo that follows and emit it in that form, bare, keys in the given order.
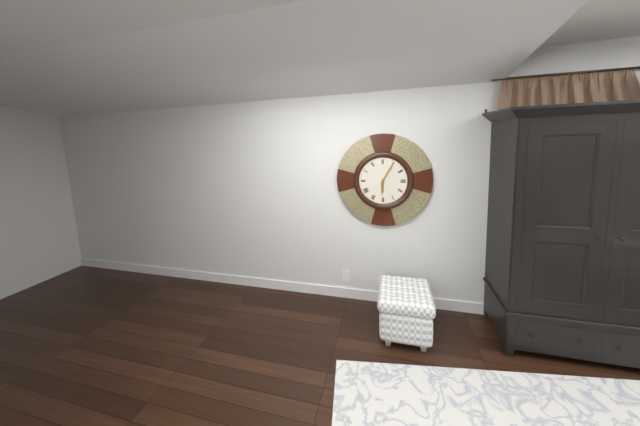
{"hour": 6, "minute": 5}
